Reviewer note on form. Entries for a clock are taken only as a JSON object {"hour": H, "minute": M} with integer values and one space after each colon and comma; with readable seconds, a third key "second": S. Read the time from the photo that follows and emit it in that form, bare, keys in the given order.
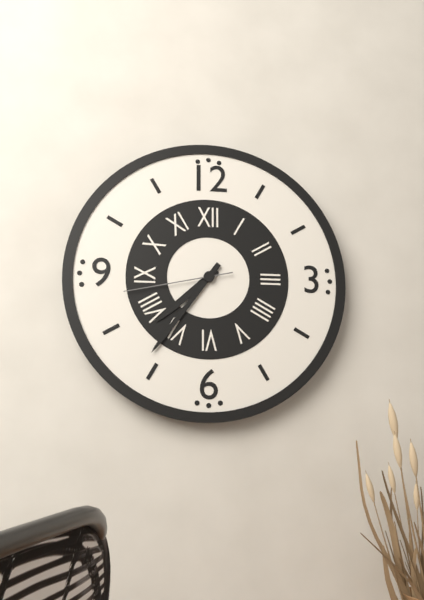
{"hour": 7, "minute": 36, "second": 43}
